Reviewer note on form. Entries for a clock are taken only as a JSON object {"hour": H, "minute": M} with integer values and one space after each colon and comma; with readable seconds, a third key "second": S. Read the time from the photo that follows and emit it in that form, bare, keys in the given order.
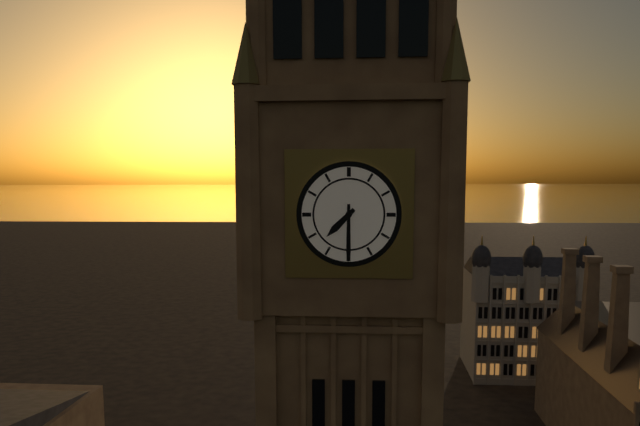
{"hour": 7, "minute": 30}
